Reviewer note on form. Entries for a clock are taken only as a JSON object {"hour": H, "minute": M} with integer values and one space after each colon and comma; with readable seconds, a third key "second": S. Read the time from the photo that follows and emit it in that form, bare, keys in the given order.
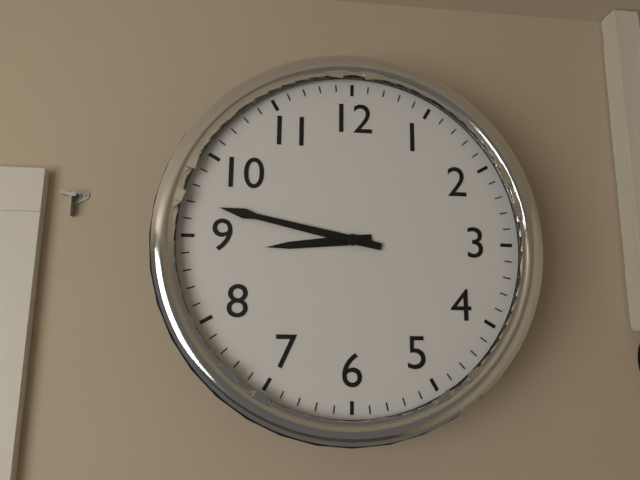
{"hour": 8, "minute": 47}
